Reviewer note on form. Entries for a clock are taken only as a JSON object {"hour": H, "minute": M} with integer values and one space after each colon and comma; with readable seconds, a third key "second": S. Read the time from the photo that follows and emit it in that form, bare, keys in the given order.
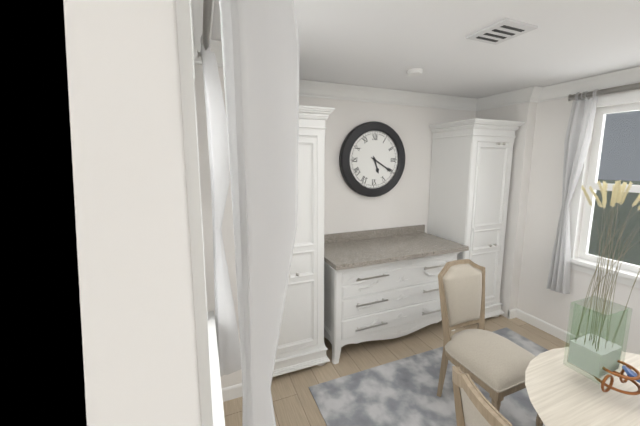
{"hour": 5, "minute": 20}
